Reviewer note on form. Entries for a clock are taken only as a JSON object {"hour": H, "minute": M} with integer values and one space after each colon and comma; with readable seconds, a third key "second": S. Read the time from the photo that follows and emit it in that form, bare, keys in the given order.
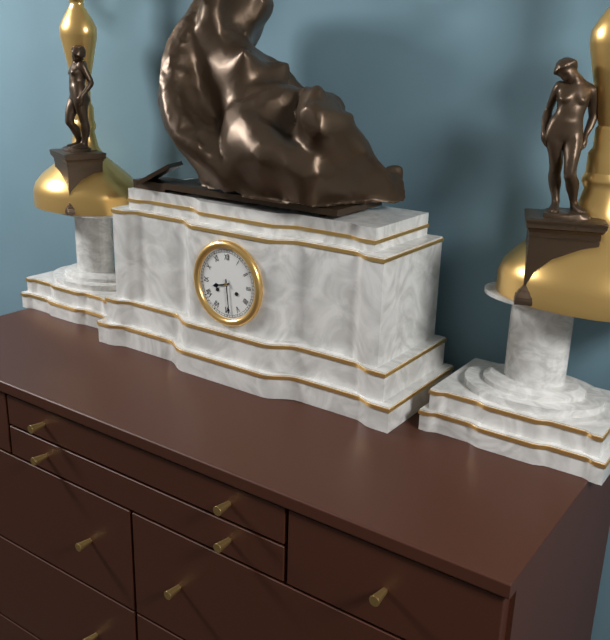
{"hour": 8, "minute": 29}
